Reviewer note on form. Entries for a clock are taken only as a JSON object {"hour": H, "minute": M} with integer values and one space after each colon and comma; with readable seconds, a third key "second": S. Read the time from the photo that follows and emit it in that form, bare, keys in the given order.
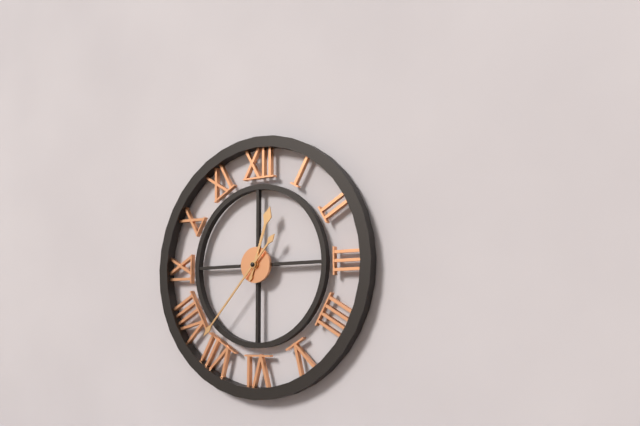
{"hour": 12, "minute": 37}
